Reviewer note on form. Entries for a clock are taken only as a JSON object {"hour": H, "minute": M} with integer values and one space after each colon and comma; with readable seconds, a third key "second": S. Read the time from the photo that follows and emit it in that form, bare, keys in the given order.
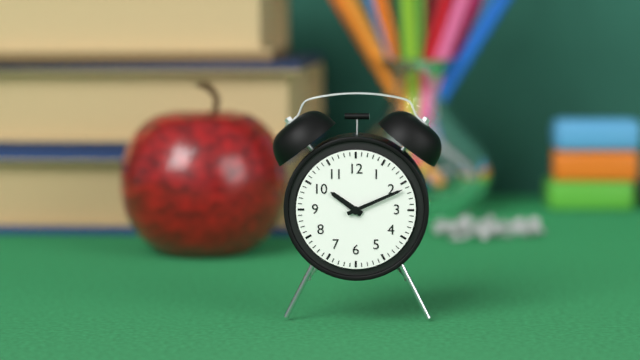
{"hour": 10, "minute": 11}
